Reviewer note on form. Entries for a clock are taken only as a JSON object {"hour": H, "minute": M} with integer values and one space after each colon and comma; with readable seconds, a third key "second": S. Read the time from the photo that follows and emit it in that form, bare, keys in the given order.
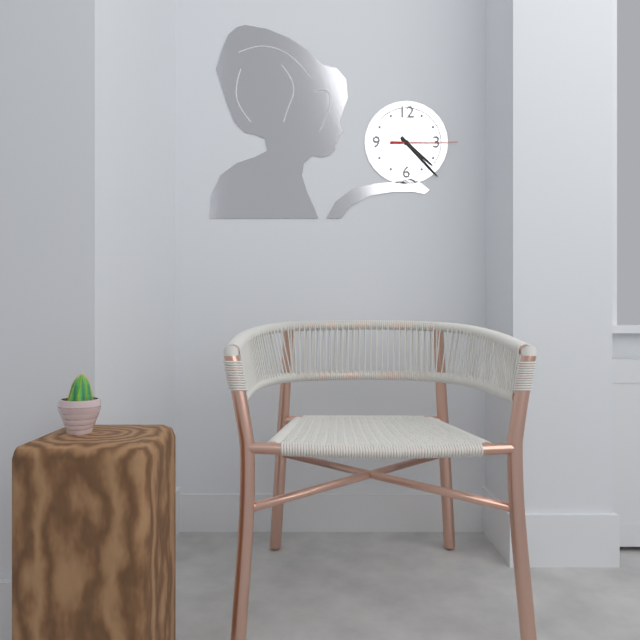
{"hour": 4, "minute": 23, "second": 15}
